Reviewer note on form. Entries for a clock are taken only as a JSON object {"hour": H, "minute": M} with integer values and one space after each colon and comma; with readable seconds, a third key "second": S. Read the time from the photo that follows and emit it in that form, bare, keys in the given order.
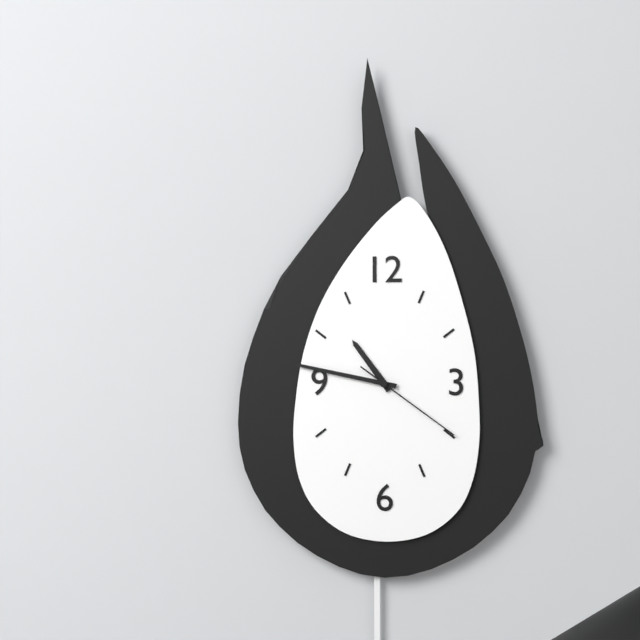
{"hour": 10, "minute": 47, "second": 21}
